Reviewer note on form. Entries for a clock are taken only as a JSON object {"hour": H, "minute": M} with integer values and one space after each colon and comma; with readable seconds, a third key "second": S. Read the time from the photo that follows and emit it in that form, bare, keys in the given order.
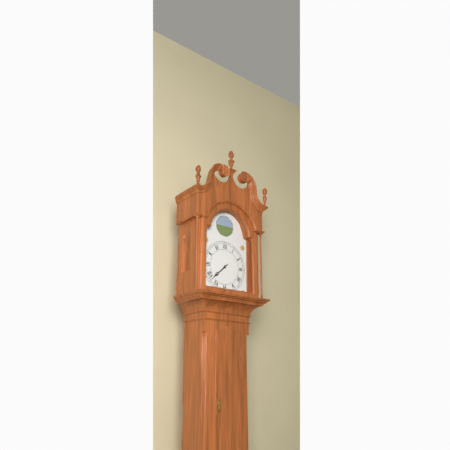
{"hour": 7, "minute": 38}
